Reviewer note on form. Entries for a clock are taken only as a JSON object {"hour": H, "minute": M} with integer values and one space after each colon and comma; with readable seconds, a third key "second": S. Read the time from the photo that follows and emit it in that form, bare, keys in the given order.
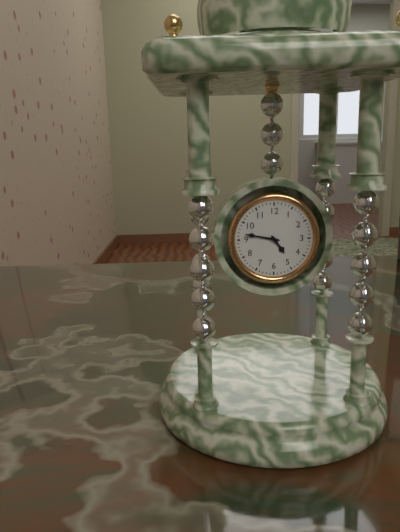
{"hour": 4, "minute": 47}
